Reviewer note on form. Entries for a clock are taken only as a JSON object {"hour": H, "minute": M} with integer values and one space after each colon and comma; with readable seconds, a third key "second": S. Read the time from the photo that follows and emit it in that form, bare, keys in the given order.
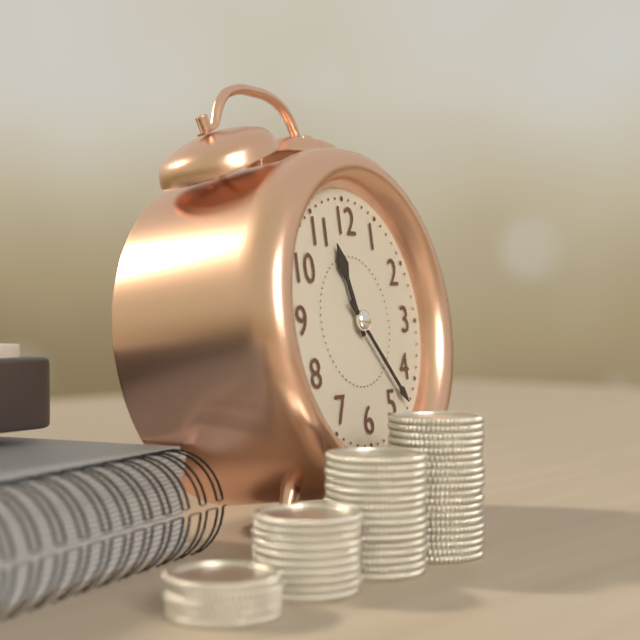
{"hour": 11, "minute": 23}
